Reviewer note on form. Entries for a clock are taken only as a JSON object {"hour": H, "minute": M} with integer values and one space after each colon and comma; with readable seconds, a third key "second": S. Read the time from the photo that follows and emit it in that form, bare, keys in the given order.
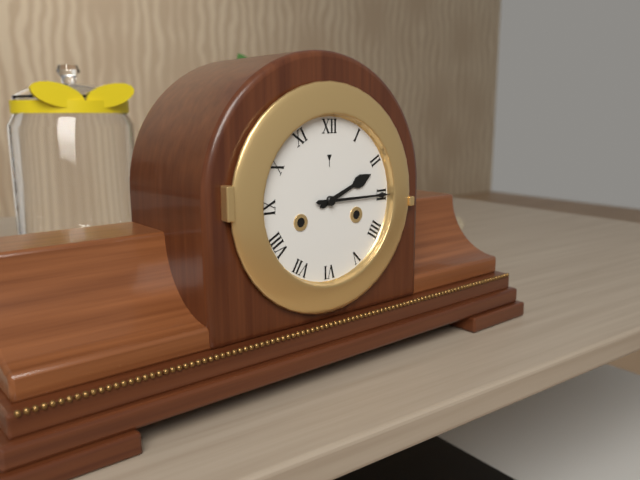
{"hour": 2, "minute": 15}
